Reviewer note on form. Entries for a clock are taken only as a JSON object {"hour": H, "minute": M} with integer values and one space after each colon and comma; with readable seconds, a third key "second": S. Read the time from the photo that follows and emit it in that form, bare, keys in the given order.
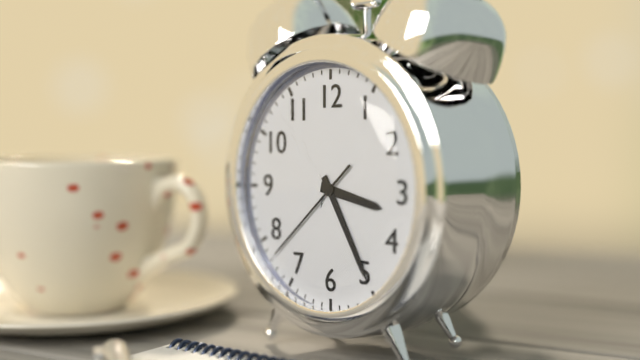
{"hour": 3, "minute": 25, "second": 38}
